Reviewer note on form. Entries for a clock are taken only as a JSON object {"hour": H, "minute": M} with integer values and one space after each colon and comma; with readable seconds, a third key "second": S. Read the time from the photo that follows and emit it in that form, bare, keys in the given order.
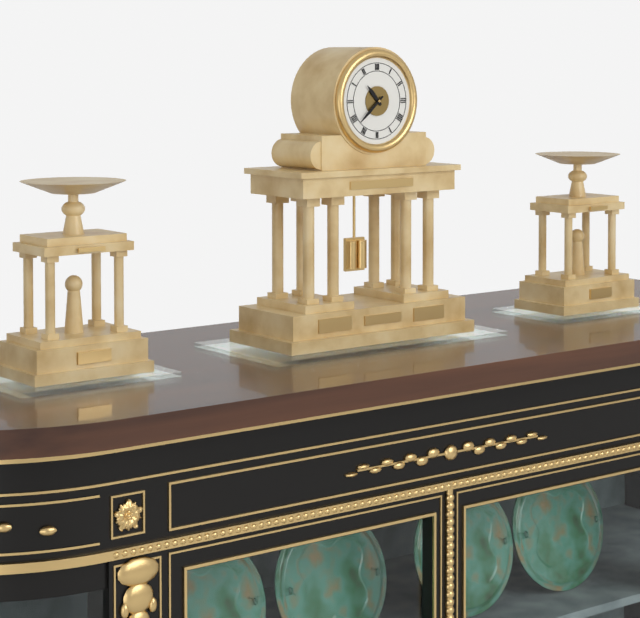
{"hour": 10, "minute": 38}
